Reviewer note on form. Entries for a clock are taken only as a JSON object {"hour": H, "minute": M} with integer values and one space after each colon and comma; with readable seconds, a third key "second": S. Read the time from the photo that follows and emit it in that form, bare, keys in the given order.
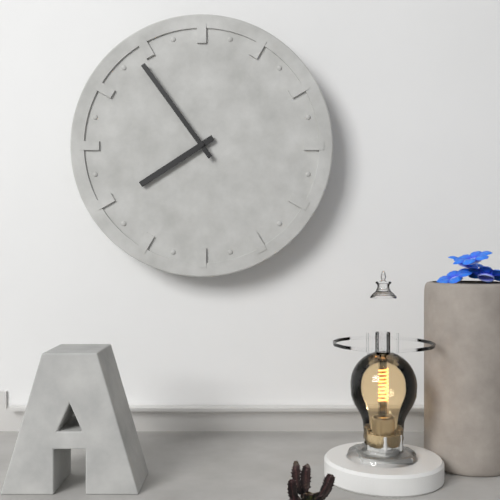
{"hour": 7, "minute": 54}
